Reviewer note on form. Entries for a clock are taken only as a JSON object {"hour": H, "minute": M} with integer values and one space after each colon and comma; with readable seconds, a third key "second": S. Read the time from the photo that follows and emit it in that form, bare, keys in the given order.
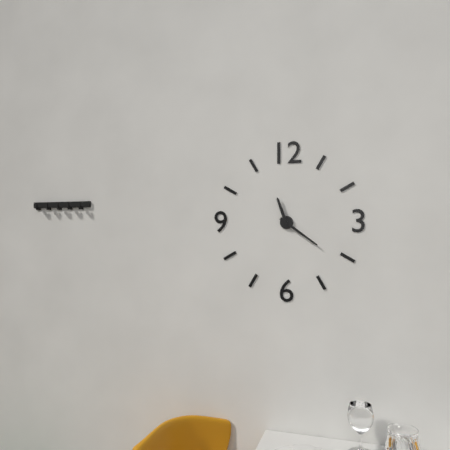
{"hour": 11, "minute": 21}
